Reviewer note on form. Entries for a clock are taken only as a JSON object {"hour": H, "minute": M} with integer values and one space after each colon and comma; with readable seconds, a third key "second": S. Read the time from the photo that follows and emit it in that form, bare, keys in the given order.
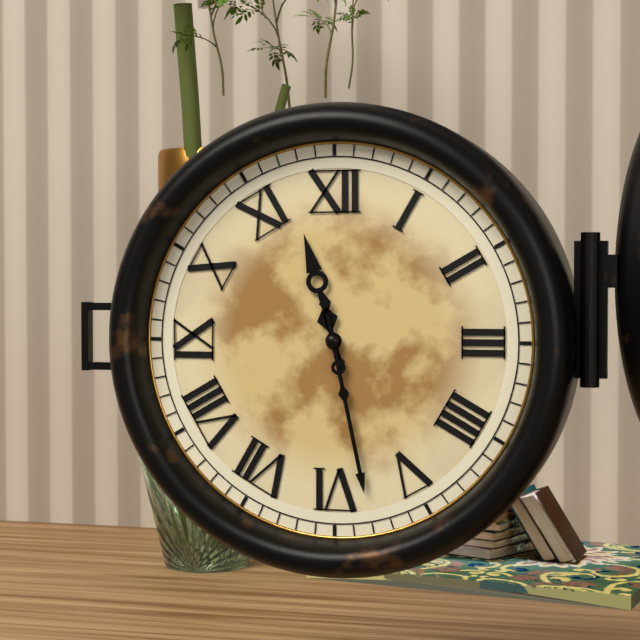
{"hour": 11, "minute": 28}
